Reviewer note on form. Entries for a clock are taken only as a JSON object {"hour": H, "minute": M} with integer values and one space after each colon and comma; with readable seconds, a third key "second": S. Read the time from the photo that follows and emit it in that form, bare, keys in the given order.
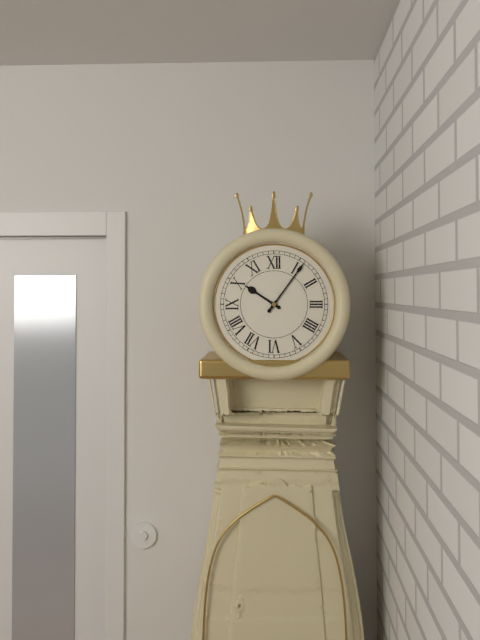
{"hour": 10, "minute": 6}
